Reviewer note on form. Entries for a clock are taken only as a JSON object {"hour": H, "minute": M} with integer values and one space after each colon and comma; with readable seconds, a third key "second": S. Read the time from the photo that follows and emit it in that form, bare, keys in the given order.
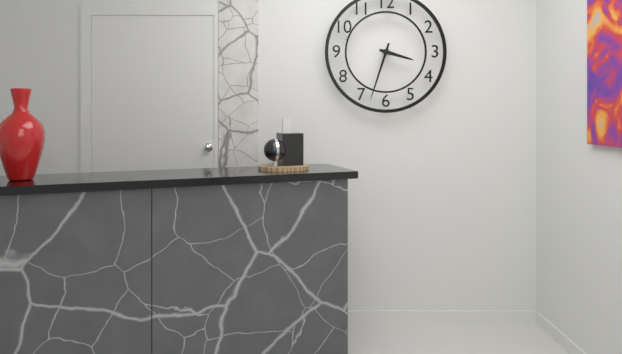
{"hour": 3, "minute": 33}
